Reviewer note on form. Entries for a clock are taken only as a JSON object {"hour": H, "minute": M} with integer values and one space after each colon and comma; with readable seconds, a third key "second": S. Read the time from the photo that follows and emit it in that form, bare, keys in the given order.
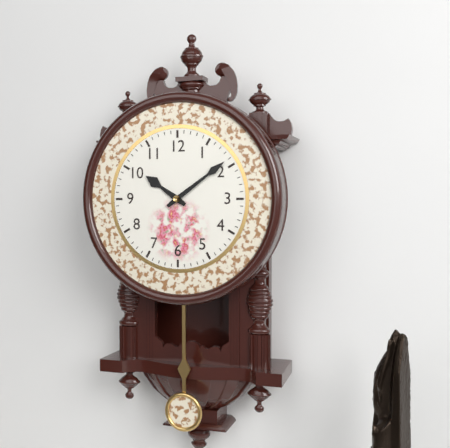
{"hour": 10, "minute": 9}
